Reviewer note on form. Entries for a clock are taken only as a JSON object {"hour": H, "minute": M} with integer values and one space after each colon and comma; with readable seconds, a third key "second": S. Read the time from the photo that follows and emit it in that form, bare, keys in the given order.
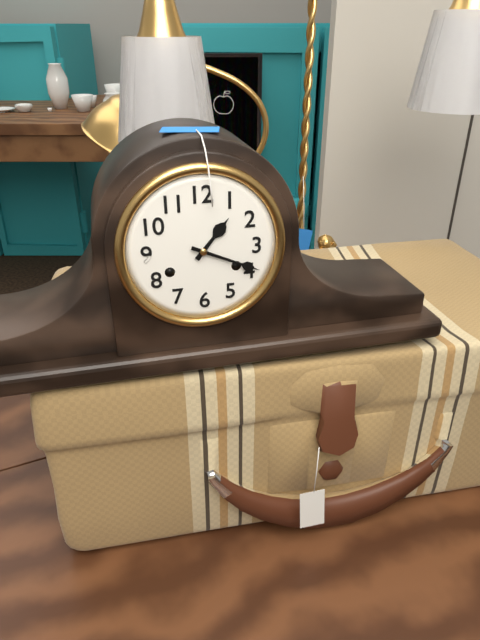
{"hour": 1, "minute": 19}
